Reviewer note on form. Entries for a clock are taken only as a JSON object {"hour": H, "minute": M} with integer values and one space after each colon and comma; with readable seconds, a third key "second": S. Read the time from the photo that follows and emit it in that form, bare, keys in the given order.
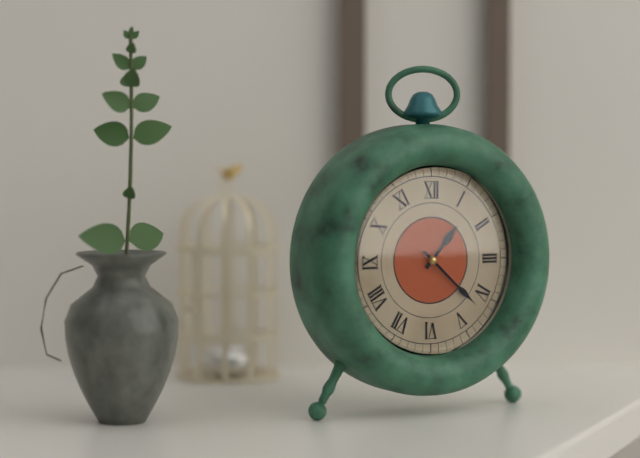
{"hour": 1, "minute": 22}
